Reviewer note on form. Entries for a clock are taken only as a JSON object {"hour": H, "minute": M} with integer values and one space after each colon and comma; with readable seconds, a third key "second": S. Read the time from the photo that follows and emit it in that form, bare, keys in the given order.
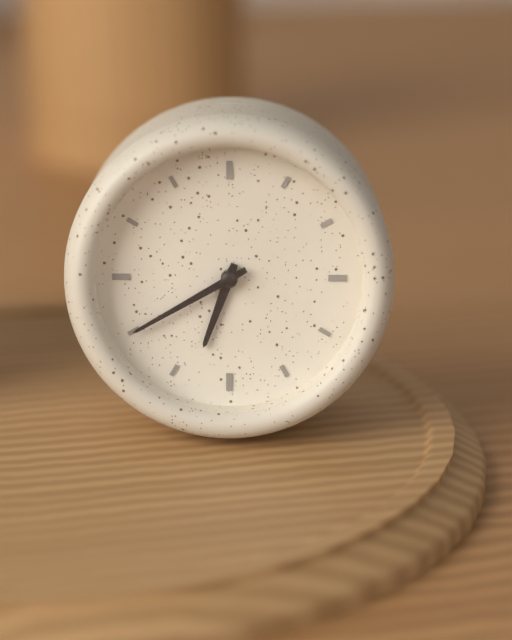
{"hour": 6, "minute": 40}
